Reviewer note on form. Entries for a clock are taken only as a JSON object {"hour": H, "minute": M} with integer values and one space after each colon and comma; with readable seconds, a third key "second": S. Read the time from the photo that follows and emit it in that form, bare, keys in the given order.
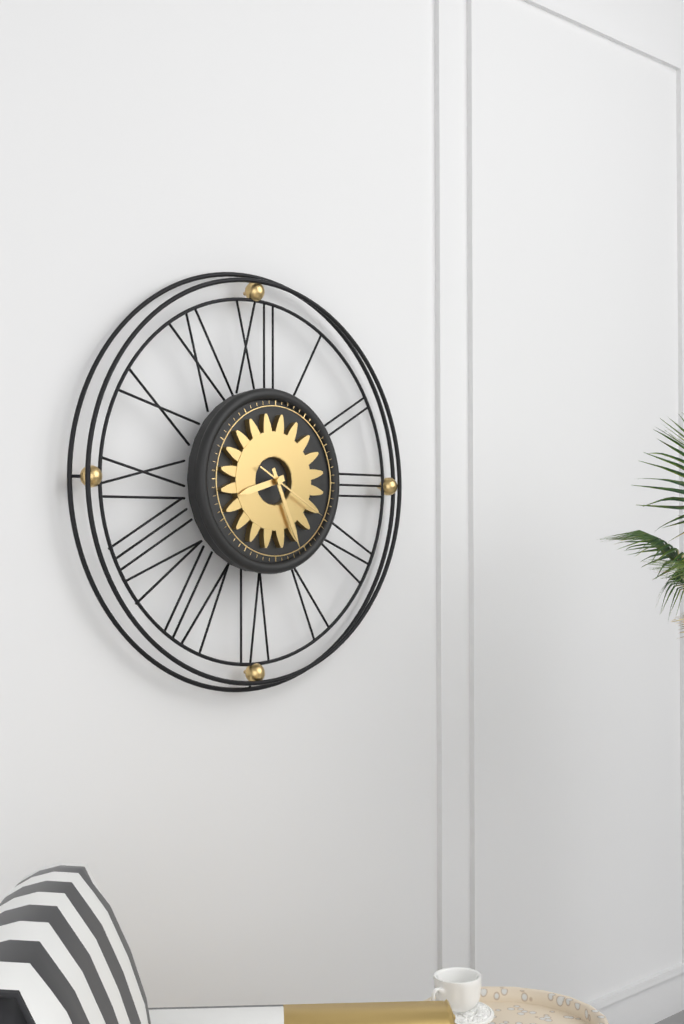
{"hour": 8, "minute": 26, "second": 20}
